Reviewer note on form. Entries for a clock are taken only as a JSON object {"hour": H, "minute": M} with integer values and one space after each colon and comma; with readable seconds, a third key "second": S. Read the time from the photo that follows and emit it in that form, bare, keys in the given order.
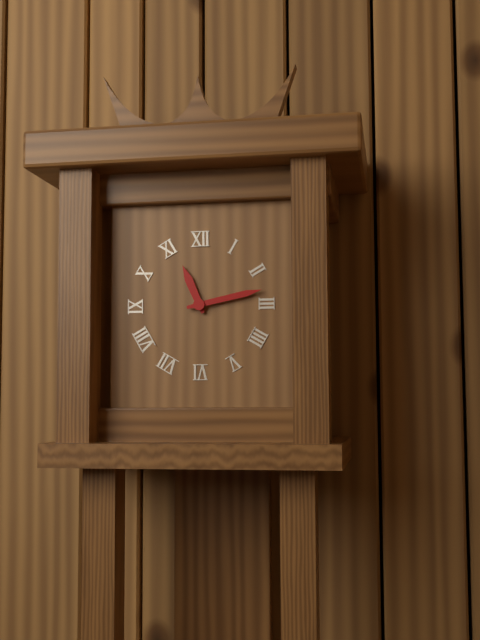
{"hour": 11, "minute": 13}
